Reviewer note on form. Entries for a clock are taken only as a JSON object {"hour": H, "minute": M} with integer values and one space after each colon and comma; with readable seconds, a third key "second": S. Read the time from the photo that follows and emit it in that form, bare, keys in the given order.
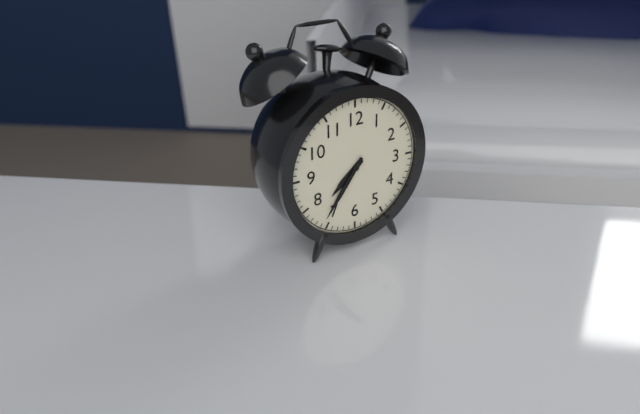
{"hour": 7, "minute": 36}
